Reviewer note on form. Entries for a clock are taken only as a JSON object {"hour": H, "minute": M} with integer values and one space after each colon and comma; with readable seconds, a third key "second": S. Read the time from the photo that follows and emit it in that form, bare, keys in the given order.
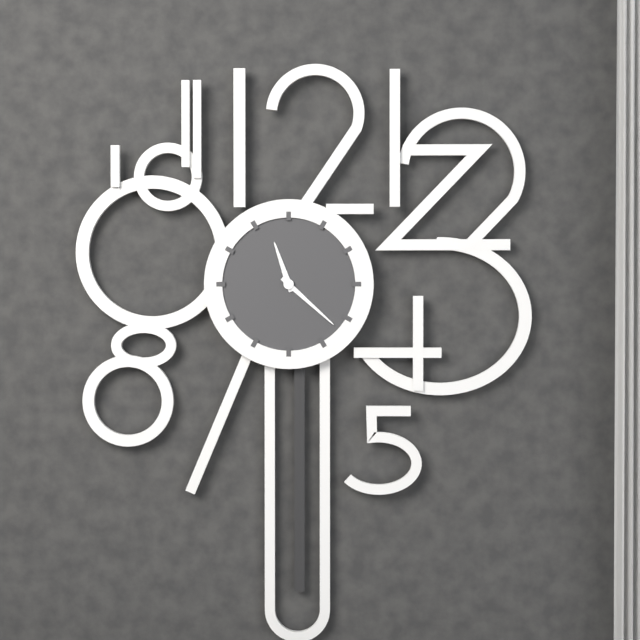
{"hour": 11, "minute": 22}
